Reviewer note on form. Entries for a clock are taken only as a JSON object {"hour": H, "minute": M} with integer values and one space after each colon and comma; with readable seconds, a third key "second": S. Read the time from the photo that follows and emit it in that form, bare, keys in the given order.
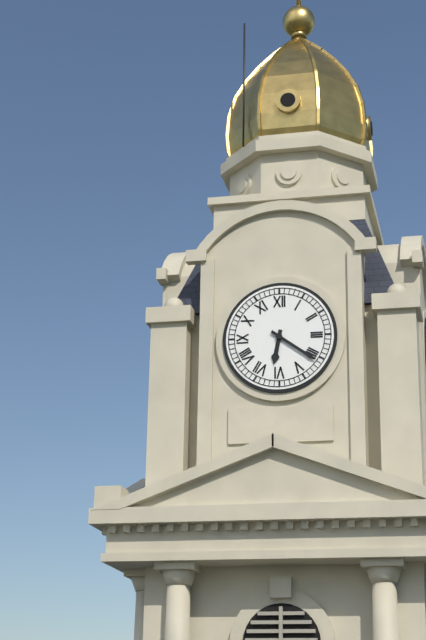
{"hour": 6, "minute": 21}
